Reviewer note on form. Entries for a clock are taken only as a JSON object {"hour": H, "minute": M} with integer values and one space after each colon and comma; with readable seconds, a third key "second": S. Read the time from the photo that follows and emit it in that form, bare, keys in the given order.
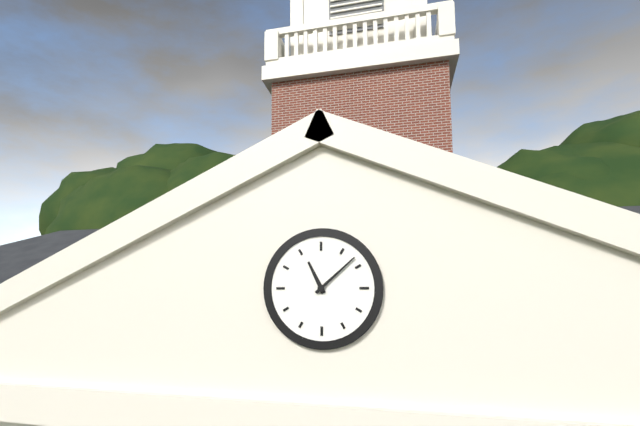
{"hour": 11, "minute": 8}
